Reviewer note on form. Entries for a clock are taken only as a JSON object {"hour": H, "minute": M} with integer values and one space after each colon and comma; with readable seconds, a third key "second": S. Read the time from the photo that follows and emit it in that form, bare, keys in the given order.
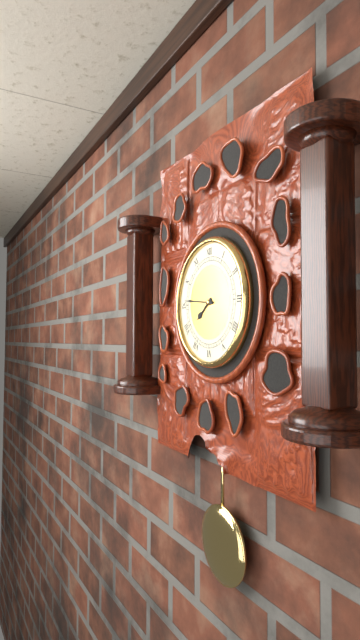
{"hour": 7, "minute": 46}
